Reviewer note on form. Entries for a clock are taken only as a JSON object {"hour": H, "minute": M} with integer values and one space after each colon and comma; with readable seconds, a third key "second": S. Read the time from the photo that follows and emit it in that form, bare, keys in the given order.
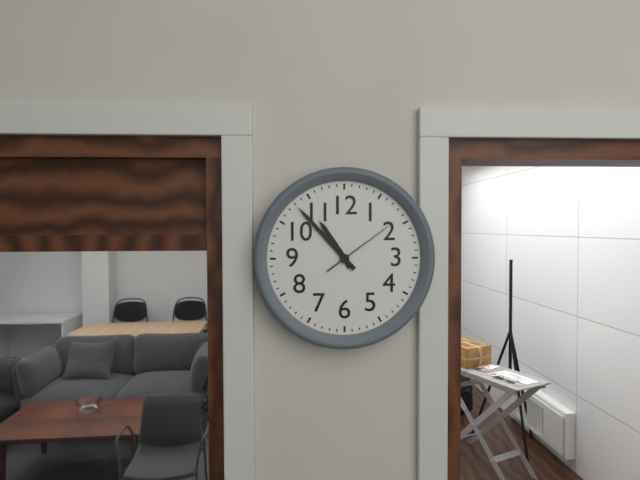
{"hour": 10, "minute": 53, "second": 9}
